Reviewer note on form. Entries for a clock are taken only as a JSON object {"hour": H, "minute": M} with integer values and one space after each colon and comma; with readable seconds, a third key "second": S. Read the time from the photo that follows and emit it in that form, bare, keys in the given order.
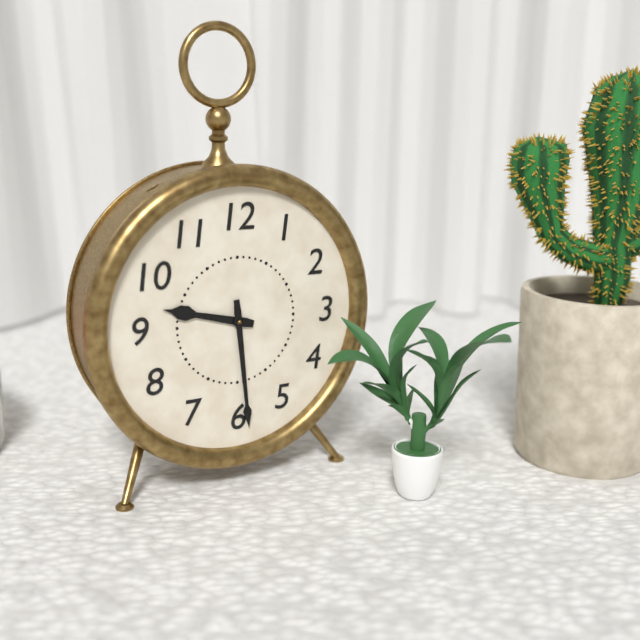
{"hour": 9, "minute": 29}
